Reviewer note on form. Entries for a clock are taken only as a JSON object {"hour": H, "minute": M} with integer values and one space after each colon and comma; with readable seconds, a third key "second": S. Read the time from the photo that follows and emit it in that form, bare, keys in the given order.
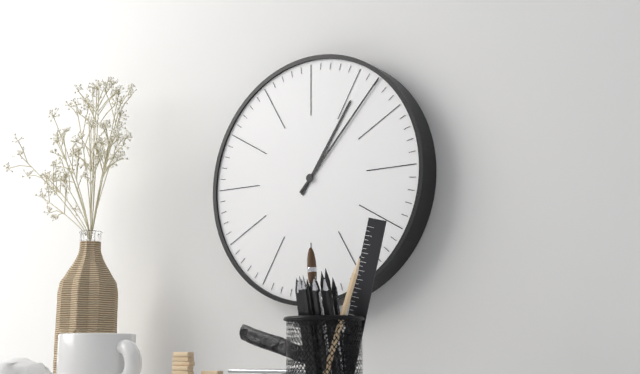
{"hour": 1, "minute": 7}
